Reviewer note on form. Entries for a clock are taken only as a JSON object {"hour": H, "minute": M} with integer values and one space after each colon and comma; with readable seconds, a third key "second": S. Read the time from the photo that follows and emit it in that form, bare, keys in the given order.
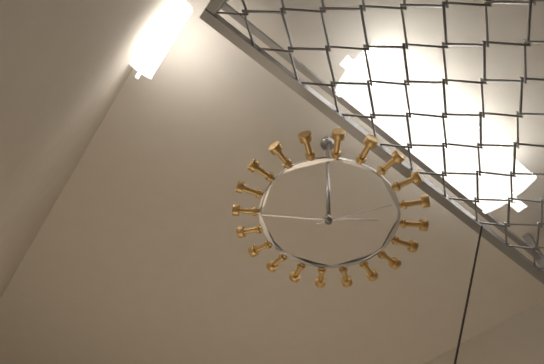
{"hour": 1, "minute": 39, "second": 5}
